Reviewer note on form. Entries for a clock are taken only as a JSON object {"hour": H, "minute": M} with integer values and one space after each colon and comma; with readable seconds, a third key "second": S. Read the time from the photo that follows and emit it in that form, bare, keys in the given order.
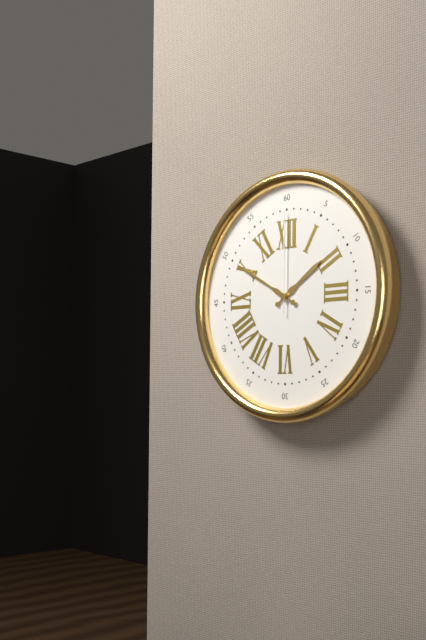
{"hour": 1, "minute": 50, "second": 0}
